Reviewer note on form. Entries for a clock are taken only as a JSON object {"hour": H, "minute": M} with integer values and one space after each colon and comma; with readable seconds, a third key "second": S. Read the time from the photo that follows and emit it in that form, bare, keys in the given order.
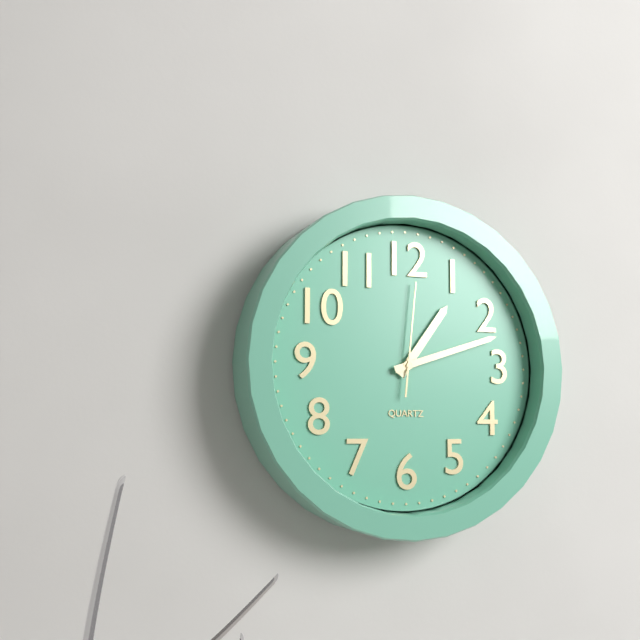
{"hour": 1, "minute": 12, "second": 1}
